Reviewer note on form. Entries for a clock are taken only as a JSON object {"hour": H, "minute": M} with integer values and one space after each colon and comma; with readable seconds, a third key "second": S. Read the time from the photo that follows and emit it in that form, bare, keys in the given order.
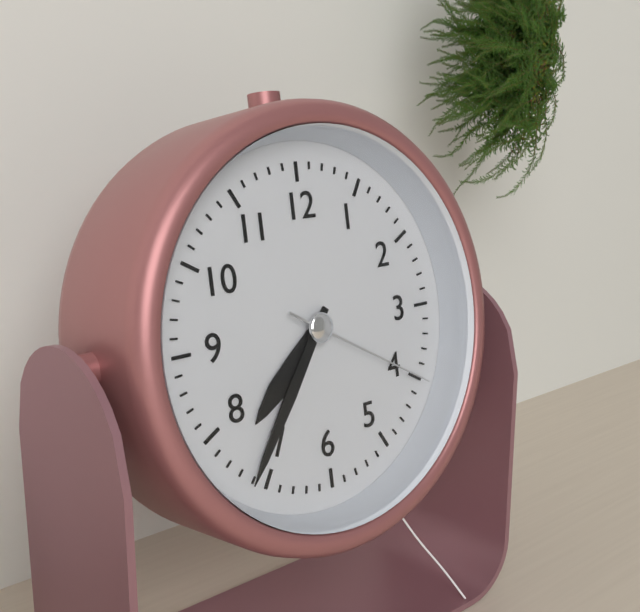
{"hour": 7, "minute": 36, "second": 20}
